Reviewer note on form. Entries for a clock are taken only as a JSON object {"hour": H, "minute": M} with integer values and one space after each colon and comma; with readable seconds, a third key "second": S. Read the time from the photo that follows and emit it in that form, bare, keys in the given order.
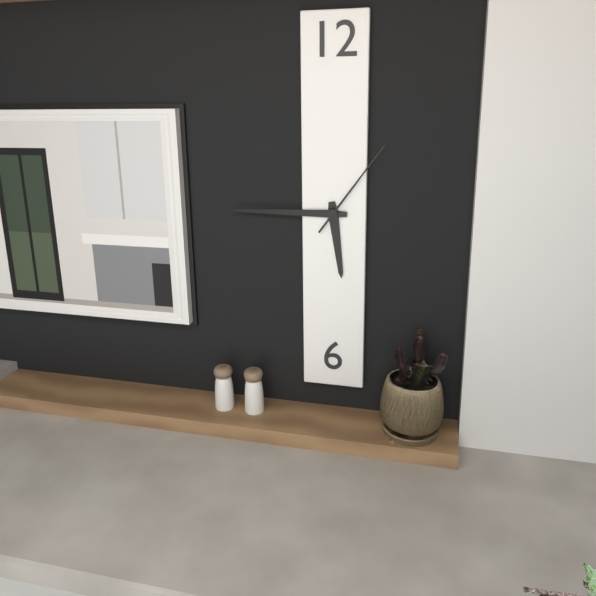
{"hour": 5, "minute": 45, "second": 6}
